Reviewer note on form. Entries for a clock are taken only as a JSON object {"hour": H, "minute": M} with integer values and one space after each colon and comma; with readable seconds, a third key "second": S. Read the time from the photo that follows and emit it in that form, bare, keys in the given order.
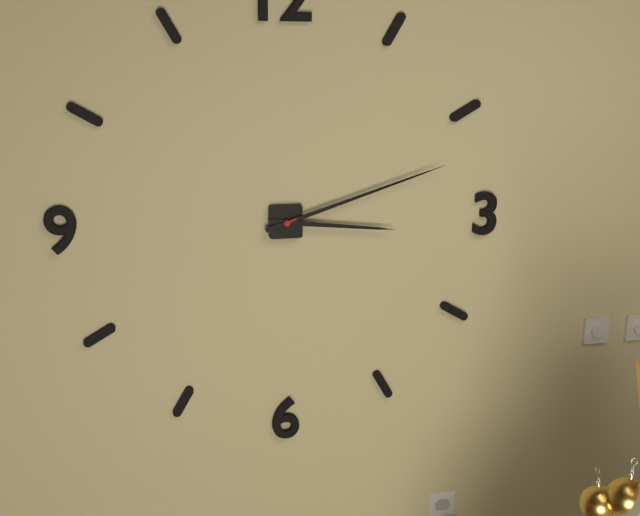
{"hour": 3, "minute": 12}
